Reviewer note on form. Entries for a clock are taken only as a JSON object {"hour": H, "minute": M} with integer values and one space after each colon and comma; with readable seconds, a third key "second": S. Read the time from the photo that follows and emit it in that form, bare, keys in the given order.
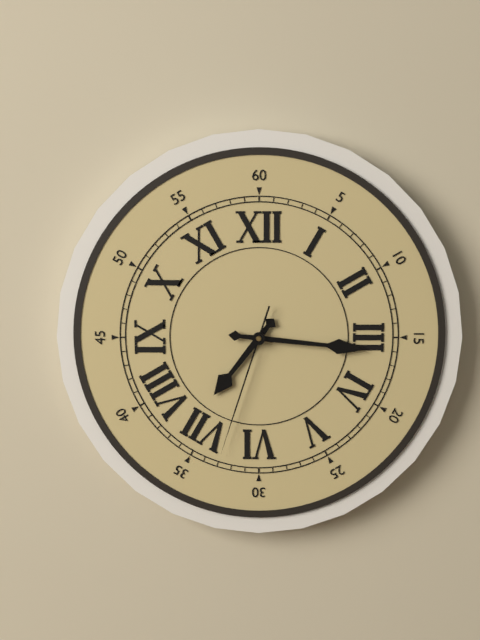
{"hour": 7, "minute": 16, "second": 33}
